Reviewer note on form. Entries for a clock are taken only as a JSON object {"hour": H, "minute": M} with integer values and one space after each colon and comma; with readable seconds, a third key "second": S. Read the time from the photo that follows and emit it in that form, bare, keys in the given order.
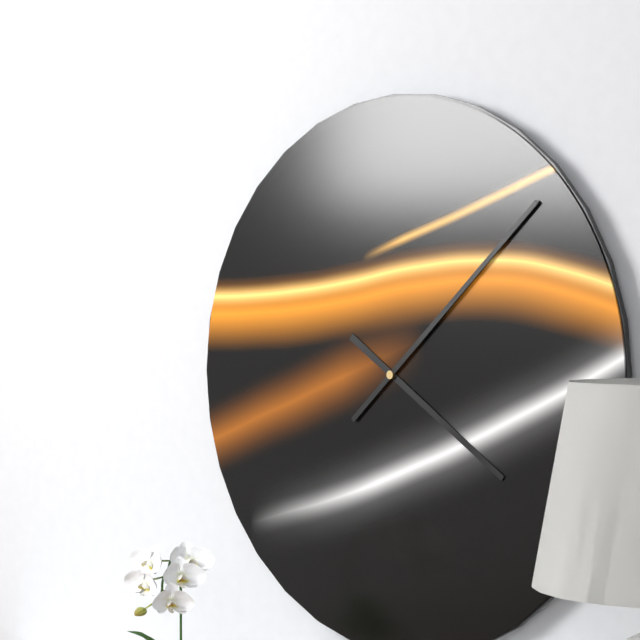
{"hour": 4, "minute": 8}
